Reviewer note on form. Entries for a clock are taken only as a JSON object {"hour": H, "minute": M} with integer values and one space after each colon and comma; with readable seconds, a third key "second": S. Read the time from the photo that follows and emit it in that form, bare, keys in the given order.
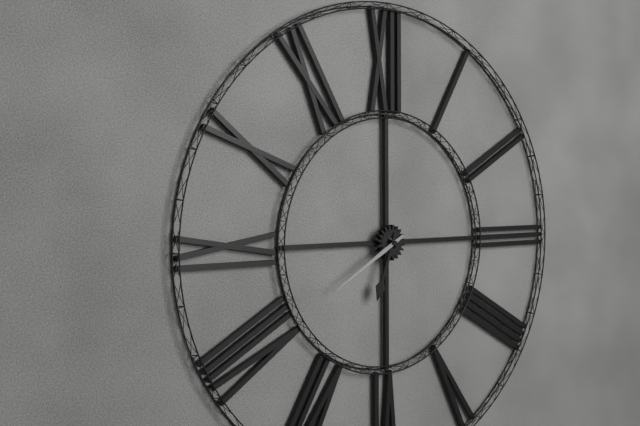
{"hour": 6, "minute": 40}
